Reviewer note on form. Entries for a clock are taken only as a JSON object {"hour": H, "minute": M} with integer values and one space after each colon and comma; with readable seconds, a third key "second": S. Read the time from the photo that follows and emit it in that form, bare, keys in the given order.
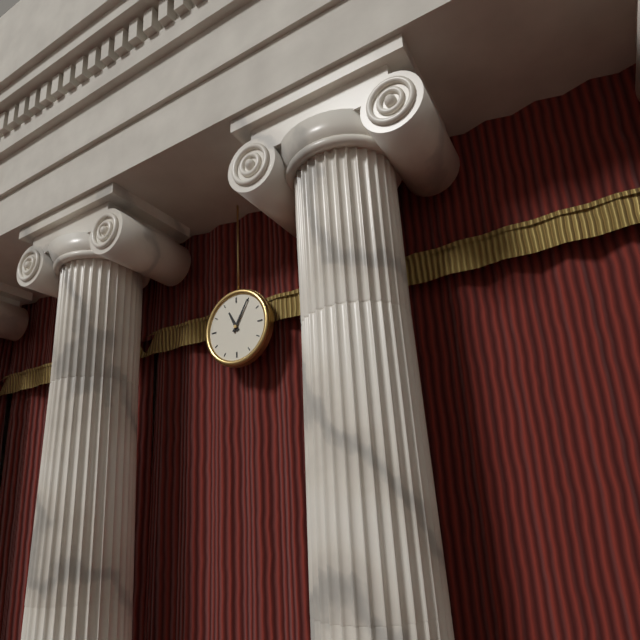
{"hour": 11, "minute": 5}
